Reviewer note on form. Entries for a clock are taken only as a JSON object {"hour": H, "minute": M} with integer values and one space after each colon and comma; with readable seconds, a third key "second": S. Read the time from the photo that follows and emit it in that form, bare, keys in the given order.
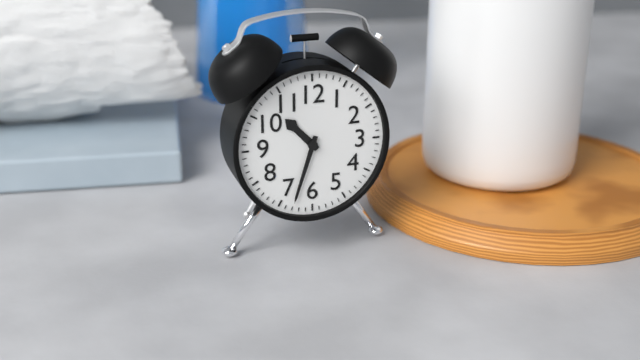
{"hour": 10, "minute": 33}
